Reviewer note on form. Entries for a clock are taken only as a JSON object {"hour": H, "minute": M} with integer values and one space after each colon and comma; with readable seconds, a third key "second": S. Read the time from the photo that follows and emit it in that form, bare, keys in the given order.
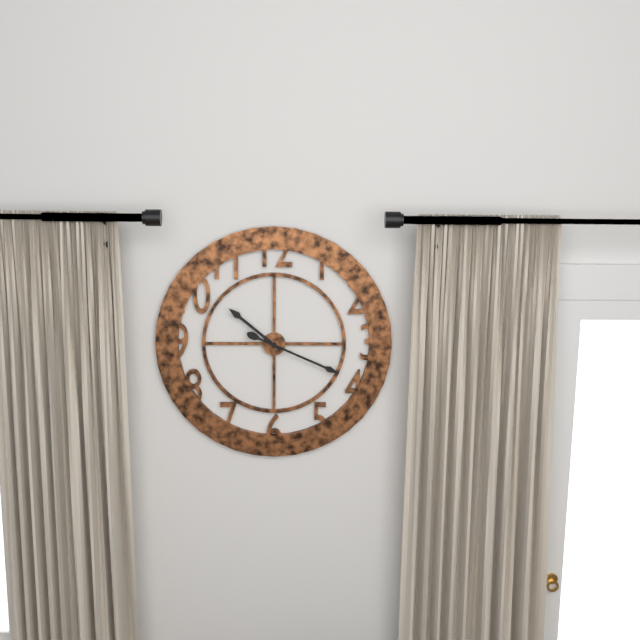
{"hour": 10, "minute": 19}
